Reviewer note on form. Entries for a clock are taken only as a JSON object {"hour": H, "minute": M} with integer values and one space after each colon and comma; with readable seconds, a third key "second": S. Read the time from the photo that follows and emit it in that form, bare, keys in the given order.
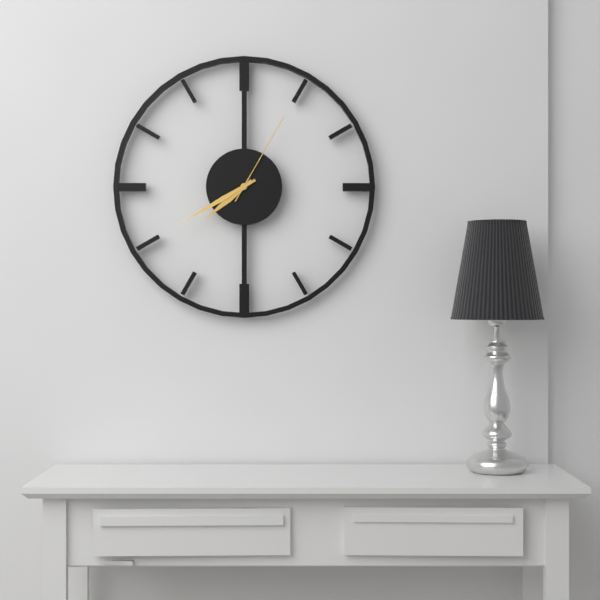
{"hour": 7, "minute": 40, "second": 5}
